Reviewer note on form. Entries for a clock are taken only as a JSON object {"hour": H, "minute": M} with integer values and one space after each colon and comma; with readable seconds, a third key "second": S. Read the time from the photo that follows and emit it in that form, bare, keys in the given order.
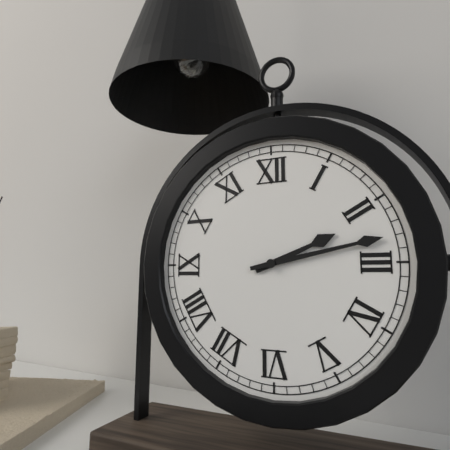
{"hour": 2, "minute": 13}
